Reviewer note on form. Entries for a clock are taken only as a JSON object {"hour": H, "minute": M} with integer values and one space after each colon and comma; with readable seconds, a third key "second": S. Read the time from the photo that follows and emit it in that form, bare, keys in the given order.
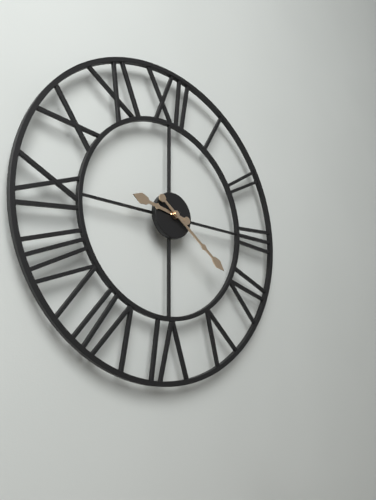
{"hour": 9, "minute": 21}
